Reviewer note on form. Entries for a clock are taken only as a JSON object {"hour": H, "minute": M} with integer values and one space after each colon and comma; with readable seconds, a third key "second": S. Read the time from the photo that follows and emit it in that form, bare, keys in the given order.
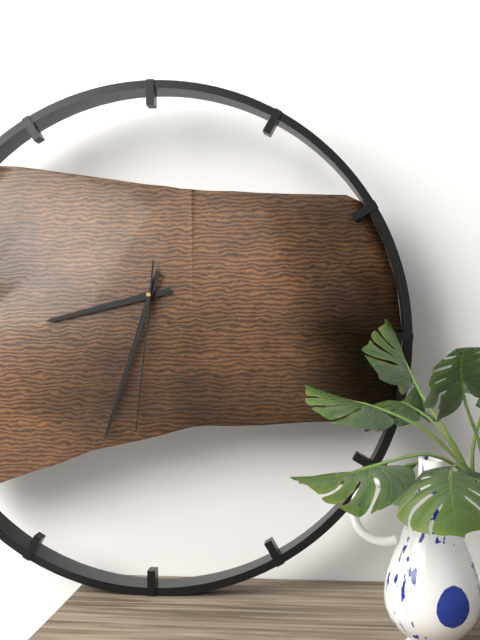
{"hour": 8, "minute": 33, "second": 31}
